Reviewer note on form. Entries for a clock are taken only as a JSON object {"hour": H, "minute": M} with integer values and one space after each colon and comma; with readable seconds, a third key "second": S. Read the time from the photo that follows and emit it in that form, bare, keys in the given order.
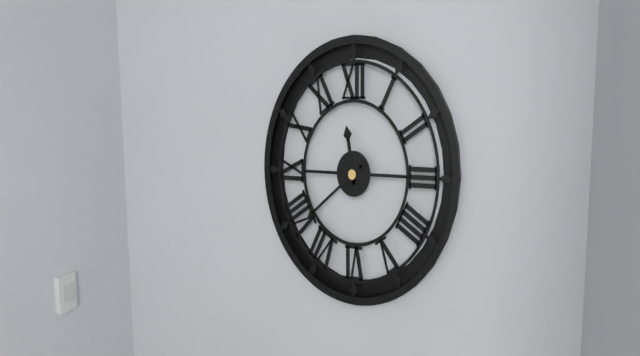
{"hour": 11, "minute": 39}
